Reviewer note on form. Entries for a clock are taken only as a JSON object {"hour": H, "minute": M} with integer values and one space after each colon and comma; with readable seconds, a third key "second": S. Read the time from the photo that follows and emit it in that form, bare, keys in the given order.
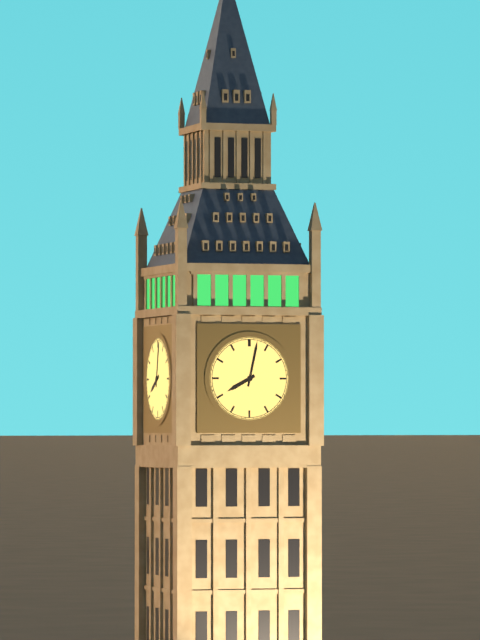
{"hour": 8, "minute": 2}
